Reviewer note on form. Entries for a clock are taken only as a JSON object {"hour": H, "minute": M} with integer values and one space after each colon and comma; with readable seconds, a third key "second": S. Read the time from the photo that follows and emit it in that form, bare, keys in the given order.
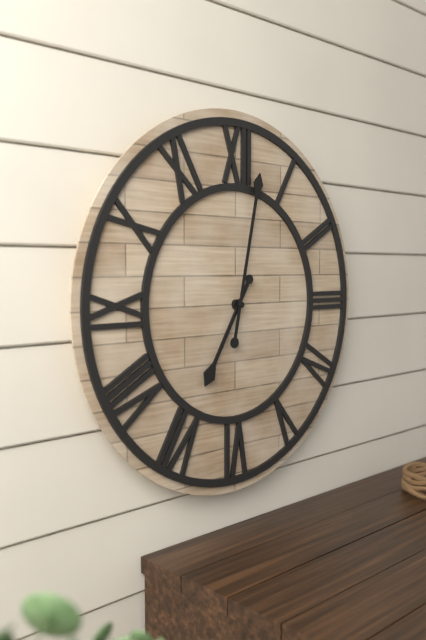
{"hour": 7, "minute": 2}
